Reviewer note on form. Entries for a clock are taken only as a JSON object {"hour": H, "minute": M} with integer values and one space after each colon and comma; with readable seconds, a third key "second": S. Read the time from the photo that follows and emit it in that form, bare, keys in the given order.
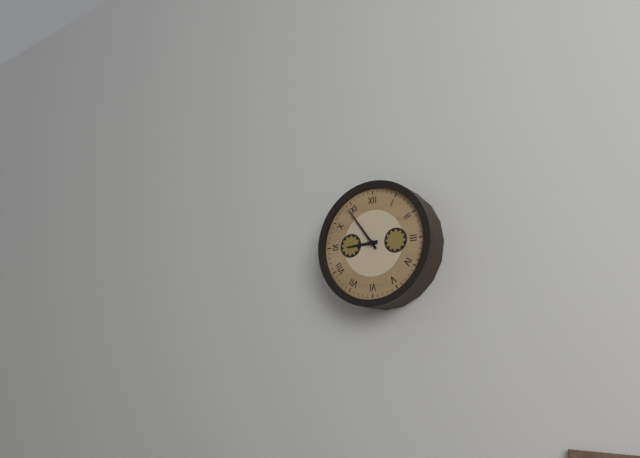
{"hour": 8, "minute": 54}
